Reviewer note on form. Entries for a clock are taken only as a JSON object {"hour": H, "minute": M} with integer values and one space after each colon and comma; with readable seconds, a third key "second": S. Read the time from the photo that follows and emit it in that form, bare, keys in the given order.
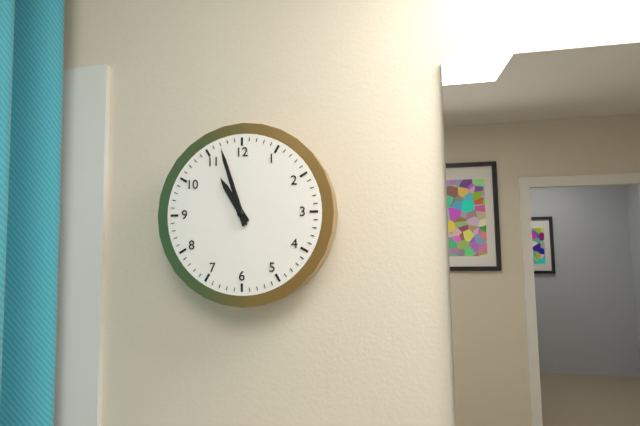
{"hour": 10, "minute": 57}
